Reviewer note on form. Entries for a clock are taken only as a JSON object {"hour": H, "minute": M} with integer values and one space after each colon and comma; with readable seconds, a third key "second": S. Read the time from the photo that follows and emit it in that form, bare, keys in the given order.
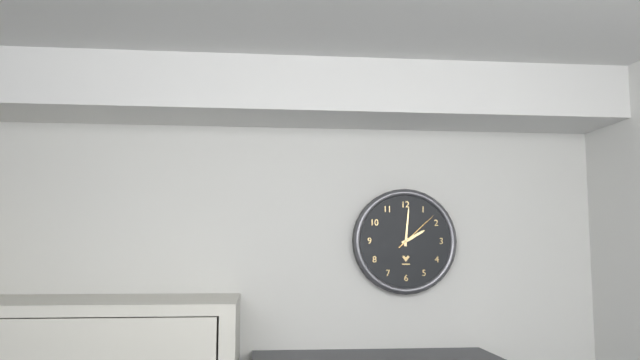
{"hour": 2, "minute": 1}
